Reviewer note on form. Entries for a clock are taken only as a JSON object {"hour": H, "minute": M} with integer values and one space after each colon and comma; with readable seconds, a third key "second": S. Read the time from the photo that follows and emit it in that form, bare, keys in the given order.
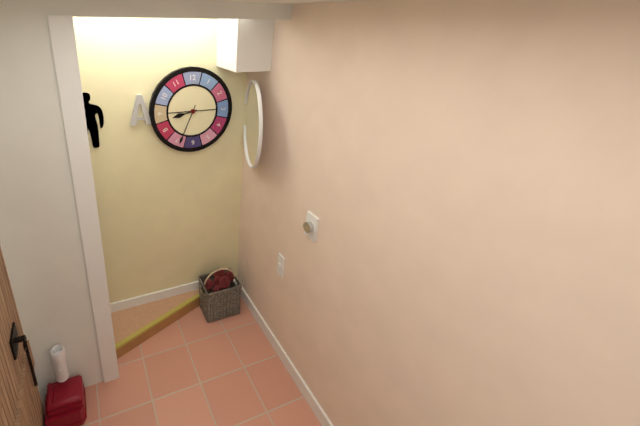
{"hour": 8, "minute": 34}
